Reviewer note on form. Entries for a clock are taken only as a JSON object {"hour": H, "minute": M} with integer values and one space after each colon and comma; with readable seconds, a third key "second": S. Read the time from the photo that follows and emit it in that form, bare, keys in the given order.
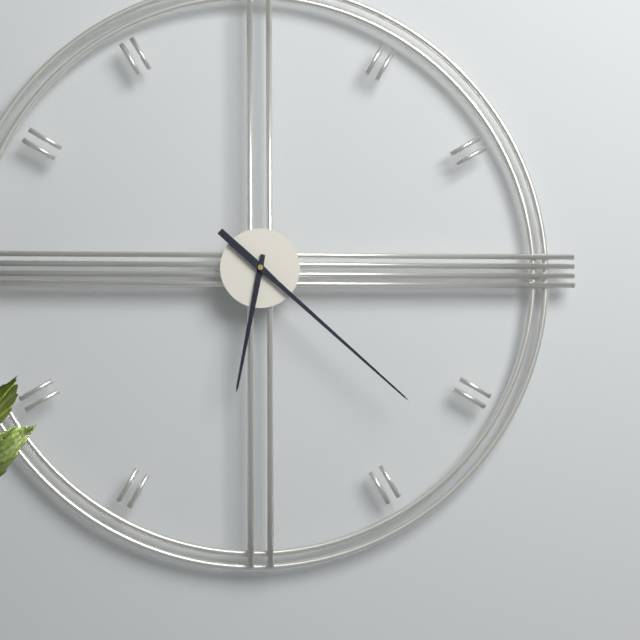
{"hour": 6, "minute": 22}
